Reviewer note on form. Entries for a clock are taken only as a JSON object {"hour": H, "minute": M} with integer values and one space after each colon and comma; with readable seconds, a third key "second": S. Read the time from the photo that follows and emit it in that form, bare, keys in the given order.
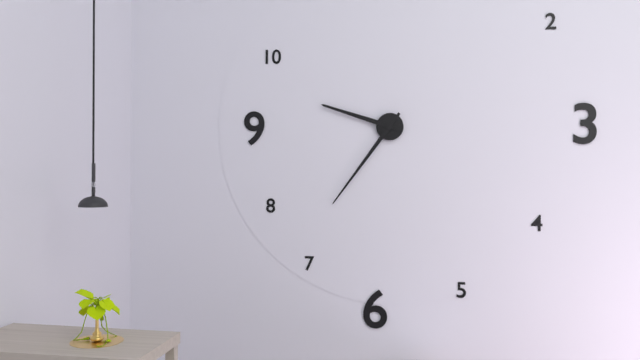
{"hour": 9, "minute": 36}
